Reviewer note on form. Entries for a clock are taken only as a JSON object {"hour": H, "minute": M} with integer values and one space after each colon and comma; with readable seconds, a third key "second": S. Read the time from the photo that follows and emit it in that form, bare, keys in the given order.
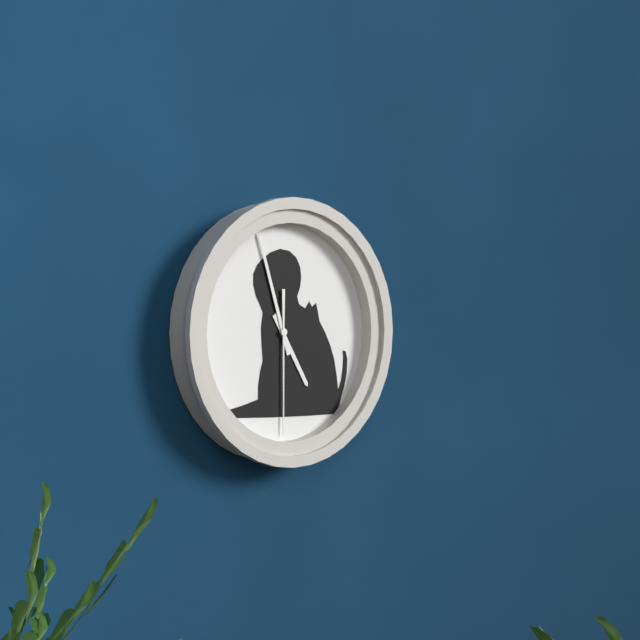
{"hour": 4, "minute": 57, "second": 30}
